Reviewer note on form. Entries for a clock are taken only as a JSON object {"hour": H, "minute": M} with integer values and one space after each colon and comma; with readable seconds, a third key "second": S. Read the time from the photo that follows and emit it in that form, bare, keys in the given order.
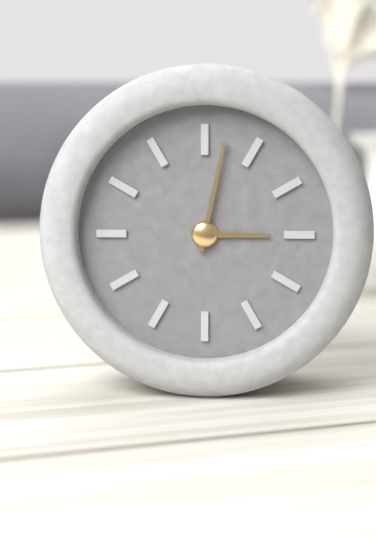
{"hour": 3, "minute": 2}
